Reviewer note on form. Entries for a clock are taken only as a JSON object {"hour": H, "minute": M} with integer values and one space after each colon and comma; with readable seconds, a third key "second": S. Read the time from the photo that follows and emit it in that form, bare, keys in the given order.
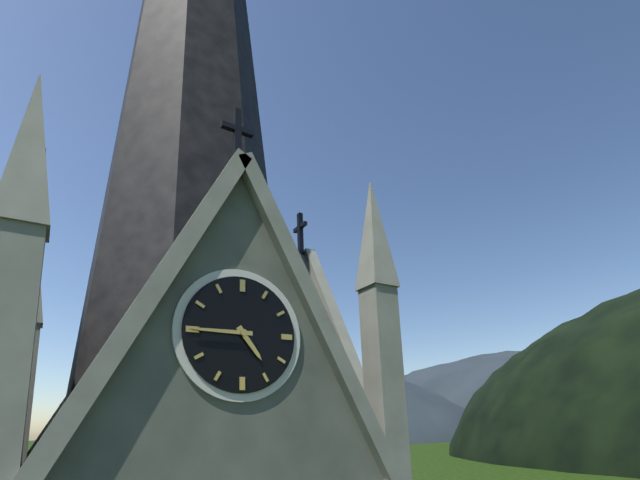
{"hour": 4, "minute": 45}
